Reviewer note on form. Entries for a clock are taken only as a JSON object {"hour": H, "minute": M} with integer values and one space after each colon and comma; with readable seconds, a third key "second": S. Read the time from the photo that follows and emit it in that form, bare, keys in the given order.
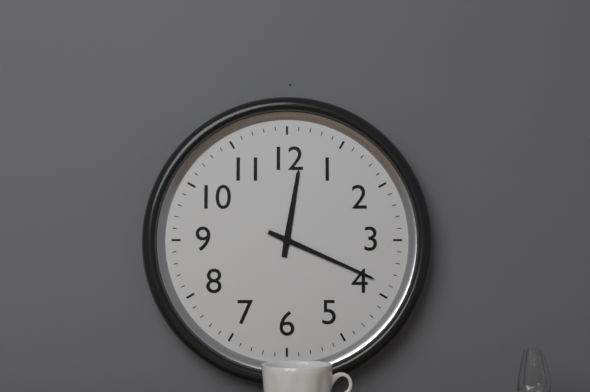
{"hour": 12, "minute": 19}
